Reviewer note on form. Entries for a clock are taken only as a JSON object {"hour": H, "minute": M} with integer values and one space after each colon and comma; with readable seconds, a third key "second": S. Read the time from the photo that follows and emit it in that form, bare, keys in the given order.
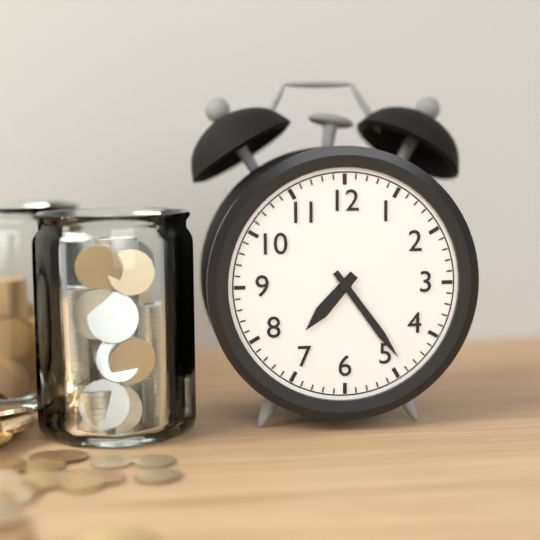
{"hour": 7, "minute": 24}
